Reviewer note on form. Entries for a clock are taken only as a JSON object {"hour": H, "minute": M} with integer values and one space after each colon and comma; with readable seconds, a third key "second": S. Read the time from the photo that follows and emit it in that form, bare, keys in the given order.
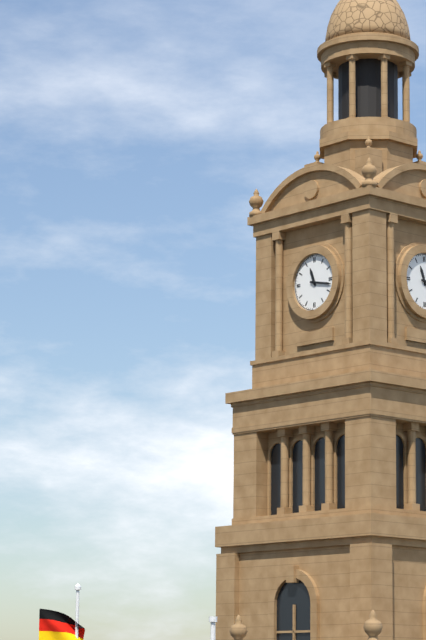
{"hour": 11, "minute": 17}
